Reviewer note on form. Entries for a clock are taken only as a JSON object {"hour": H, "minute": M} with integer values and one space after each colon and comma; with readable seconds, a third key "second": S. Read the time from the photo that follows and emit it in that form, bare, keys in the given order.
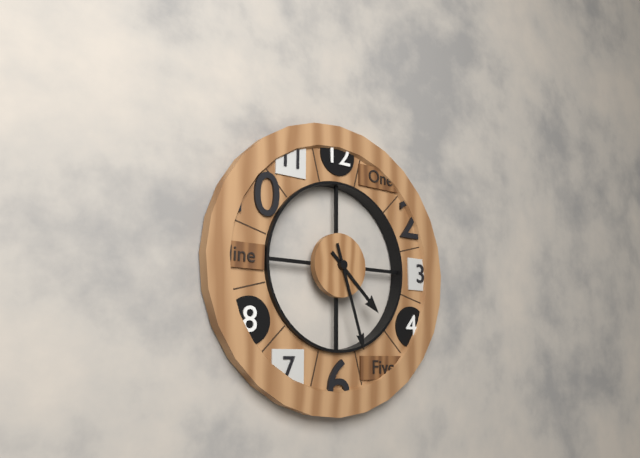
{"hour": 4, "minute": 27}
